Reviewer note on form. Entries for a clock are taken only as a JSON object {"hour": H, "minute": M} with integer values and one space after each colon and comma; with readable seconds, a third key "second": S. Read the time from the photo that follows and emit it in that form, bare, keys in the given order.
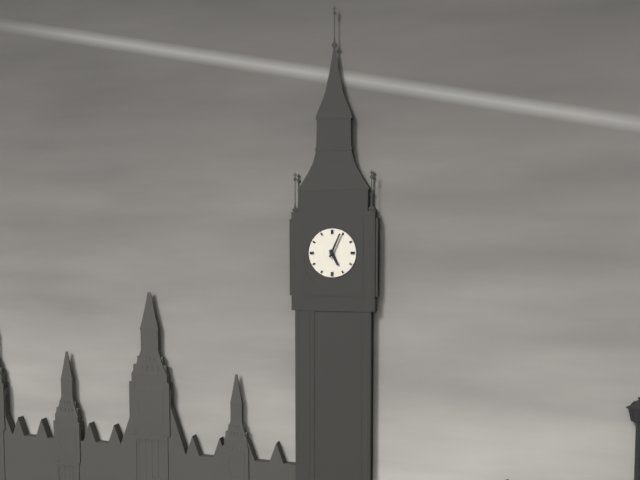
{"hour": 5, "minute": 4}
